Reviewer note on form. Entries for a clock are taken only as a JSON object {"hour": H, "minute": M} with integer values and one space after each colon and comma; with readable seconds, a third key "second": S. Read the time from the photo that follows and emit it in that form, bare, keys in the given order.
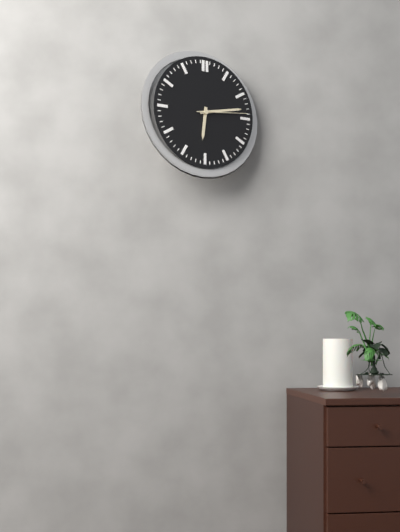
{"hour": 6, "minute": 13, "second": 14}
